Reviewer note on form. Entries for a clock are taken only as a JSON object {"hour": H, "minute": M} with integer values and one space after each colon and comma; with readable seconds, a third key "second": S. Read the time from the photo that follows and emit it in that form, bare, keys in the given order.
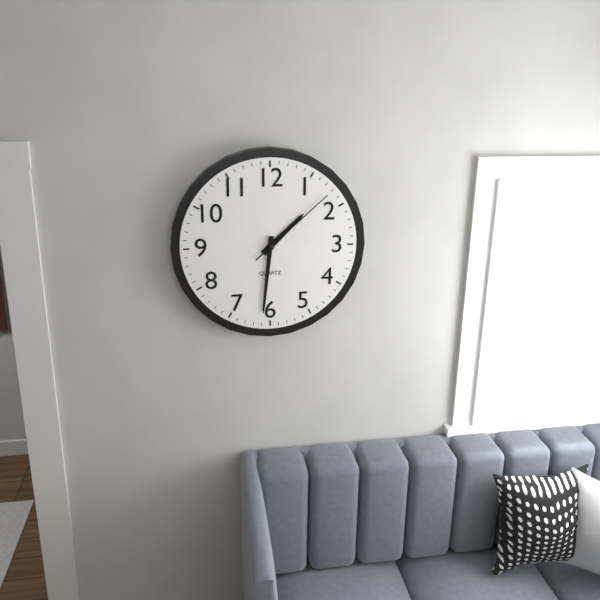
{"hour": 1, "minute": 31, "second": 8}
